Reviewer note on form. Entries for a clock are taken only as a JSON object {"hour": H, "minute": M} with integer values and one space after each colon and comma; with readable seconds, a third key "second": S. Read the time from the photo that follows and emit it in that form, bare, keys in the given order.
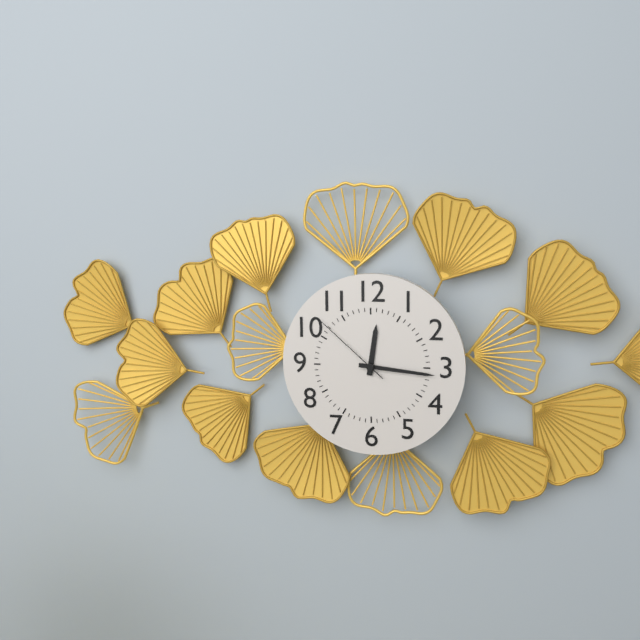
{"hour": 12, "minute": 16, "second": 52}
